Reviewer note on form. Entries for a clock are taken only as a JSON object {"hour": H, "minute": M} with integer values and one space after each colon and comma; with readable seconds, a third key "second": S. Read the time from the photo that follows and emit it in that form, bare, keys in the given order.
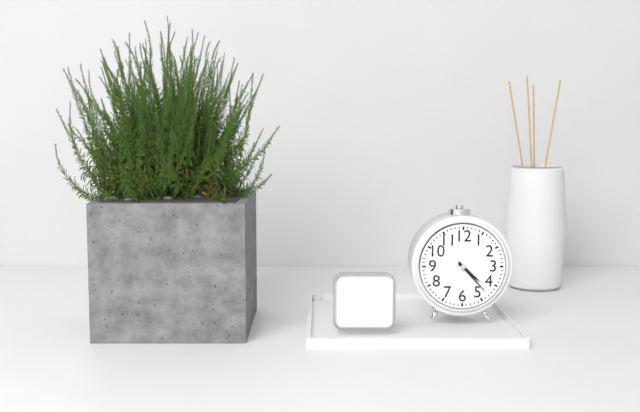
{"hour": 4, "minute": 23}
